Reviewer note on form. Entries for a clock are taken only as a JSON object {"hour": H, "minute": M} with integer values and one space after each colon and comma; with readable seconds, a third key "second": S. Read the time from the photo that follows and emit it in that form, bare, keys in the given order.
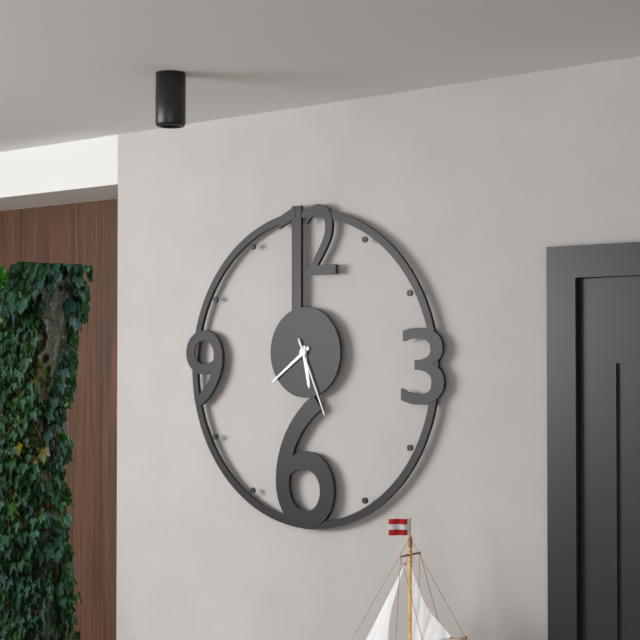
{"hour": 5, "minute": 39, "second": 26}
